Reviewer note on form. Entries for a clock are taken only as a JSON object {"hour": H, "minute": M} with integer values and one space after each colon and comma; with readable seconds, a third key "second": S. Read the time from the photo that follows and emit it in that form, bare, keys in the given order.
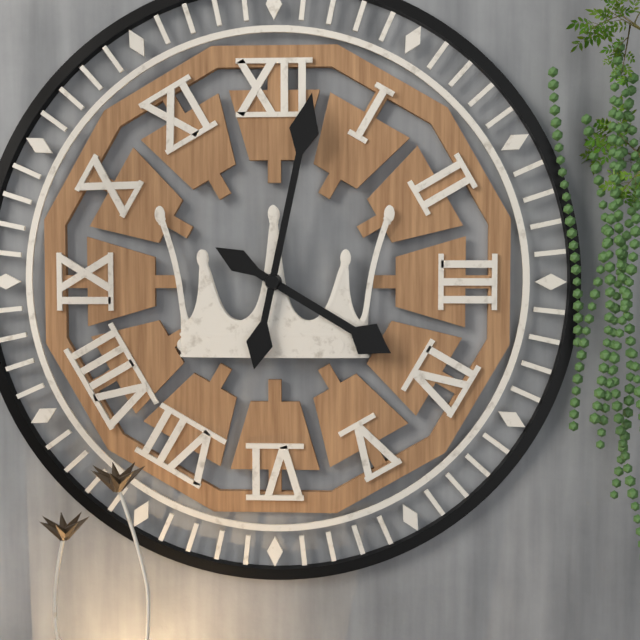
{"hour": 4, "minute": 2}
